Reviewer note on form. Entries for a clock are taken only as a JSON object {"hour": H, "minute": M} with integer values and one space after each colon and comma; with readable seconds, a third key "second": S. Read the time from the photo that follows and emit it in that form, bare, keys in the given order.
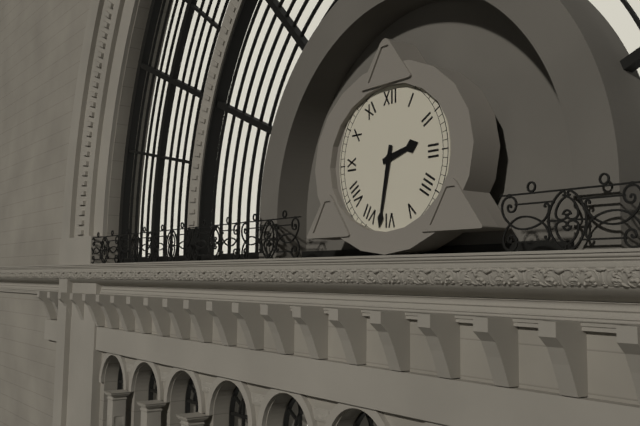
{"hour": 2, "minute": 32}
